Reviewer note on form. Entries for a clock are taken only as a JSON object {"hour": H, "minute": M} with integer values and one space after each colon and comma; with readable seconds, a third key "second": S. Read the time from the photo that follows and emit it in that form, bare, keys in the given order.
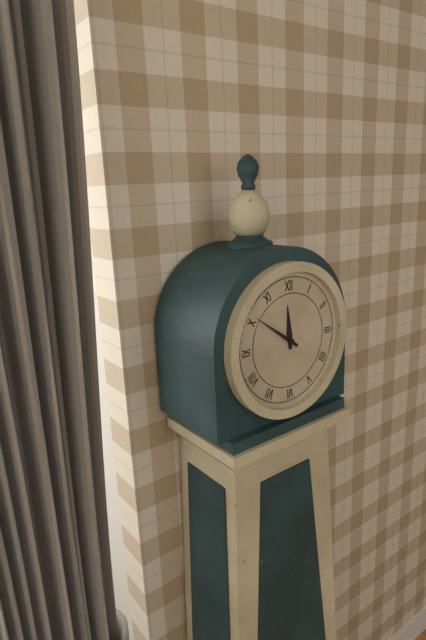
{"hour": 11, "minute": 51}
